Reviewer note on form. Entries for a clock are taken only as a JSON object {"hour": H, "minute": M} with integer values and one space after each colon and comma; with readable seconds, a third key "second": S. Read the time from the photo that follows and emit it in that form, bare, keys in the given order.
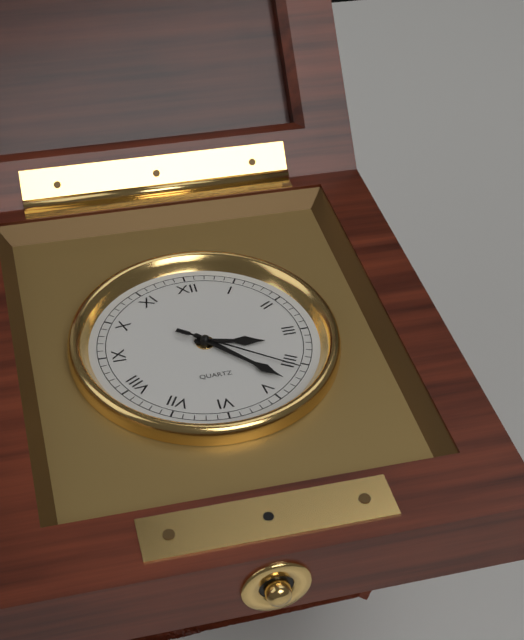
{"hour": 3, "minute": 23, "second": 21}
